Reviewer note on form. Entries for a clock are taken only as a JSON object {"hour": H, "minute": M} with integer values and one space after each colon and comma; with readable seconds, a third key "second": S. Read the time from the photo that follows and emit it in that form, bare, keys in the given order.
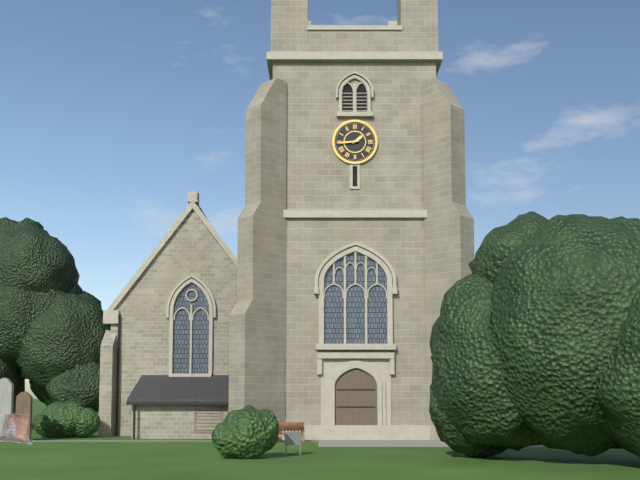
{"hour": 1, "minute": 44}
